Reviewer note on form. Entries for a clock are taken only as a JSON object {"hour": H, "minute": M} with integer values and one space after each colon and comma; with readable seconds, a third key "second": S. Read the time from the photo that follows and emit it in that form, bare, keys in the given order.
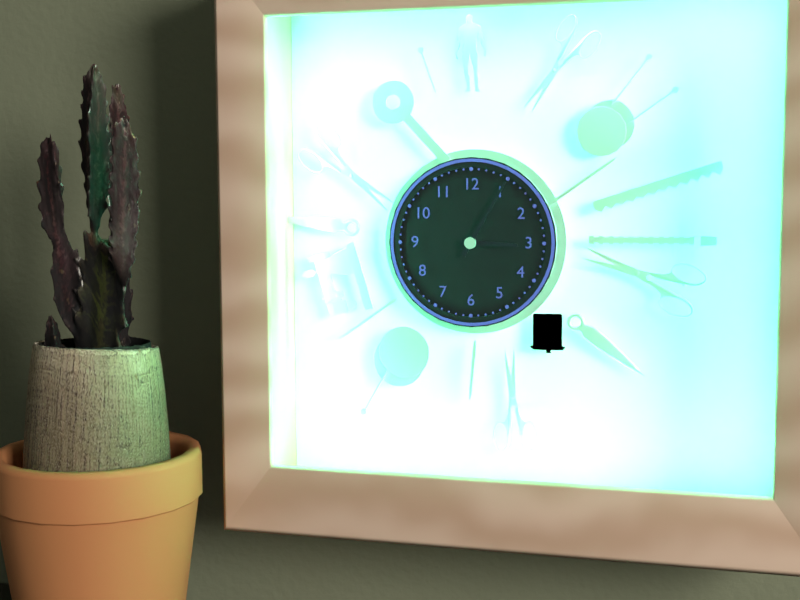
{"hour": 3, "minute": 5}
